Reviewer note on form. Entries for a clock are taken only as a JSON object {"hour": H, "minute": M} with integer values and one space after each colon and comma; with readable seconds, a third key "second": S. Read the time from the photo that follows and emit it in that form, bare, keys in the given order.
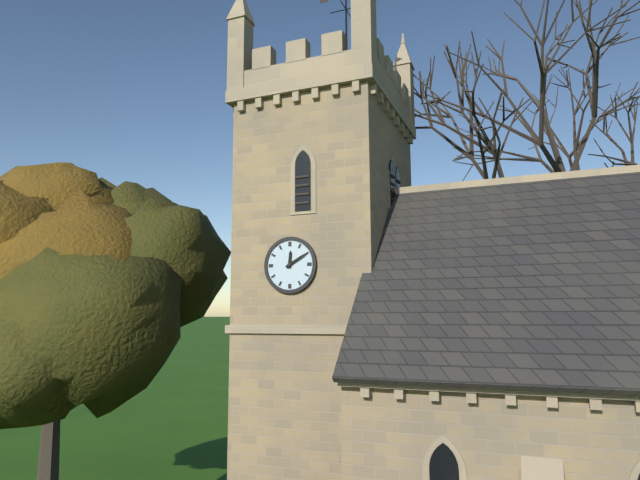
{"hour": 12, "minute": 10}
